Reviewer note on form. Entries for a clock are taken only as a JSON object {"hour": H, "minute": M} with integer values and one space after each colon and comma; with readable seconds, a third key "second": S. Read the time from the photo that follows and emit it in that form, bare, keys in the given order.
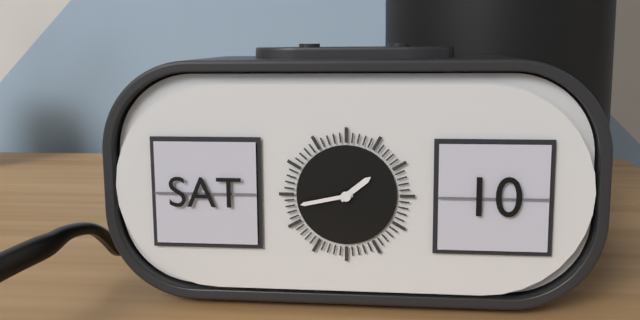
{"hour": 1, "minute": 43}
